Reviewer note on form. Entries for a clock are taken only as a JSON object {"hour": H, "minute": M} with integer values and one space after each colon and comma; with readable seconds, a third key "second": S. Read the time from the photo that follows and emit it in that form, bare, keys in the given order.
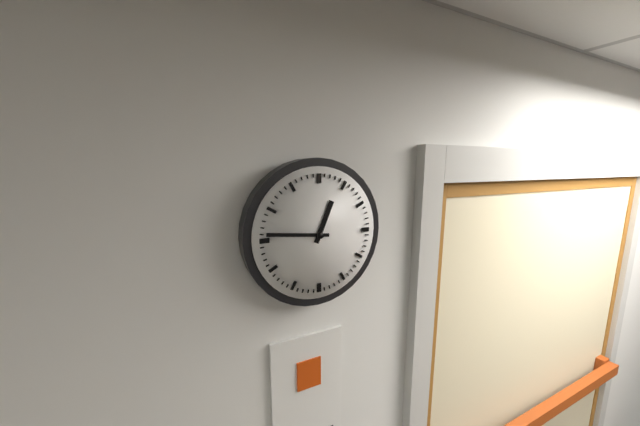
{"hour": 12, "minute": 46}
